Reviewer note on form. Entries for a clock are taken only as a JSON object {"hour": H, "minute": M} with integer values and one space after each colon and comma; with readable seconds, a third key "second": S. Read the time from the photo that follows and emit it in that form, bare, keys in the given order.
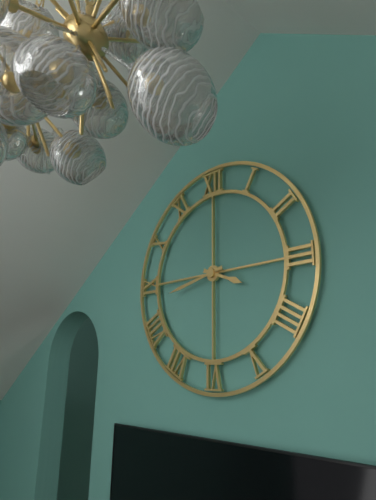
{"hour": 3, "minute": 43}
